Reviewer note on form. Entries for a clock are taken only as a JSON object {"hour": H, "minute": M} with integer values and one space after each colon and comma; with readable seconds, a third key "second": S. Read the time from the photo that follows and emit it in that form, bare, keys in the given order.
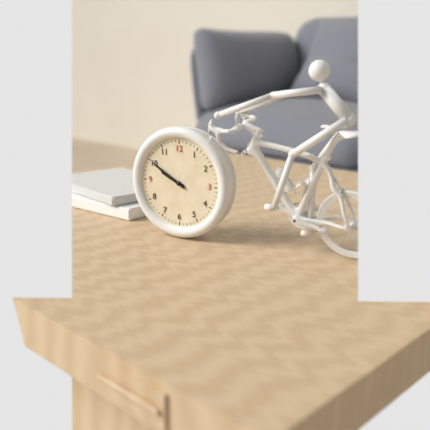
{"hour": 9, "minute": 50}
